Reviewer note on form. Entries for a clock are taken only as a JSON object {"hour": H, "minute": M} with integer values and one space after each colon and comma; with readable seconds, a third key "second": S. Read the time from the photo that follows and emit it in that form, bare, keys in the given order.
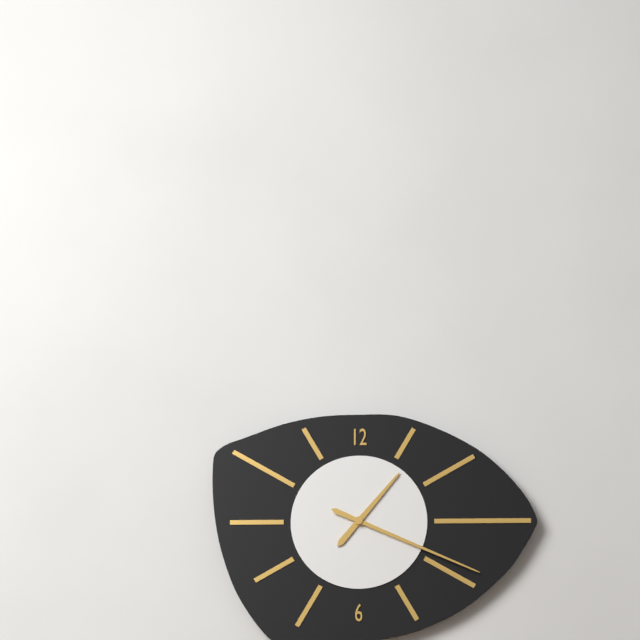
{"hour": 1, "minute": 19}
